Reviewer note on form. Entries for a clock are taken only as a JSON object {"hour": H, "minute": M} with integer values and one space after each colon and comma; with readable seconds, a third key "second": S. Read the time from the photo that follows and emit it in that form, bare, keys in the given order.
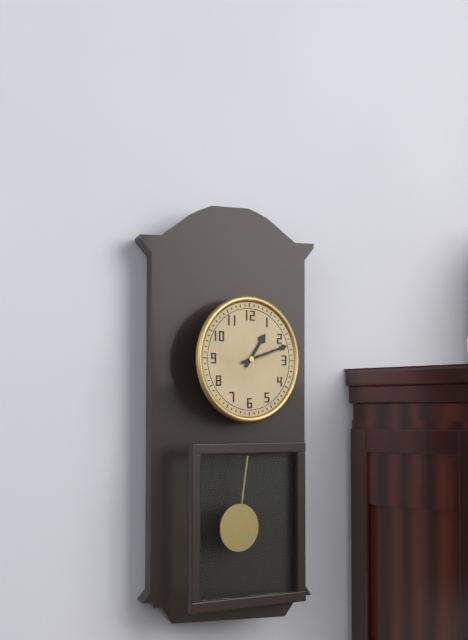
{"hour": 1, "minute": 12}
